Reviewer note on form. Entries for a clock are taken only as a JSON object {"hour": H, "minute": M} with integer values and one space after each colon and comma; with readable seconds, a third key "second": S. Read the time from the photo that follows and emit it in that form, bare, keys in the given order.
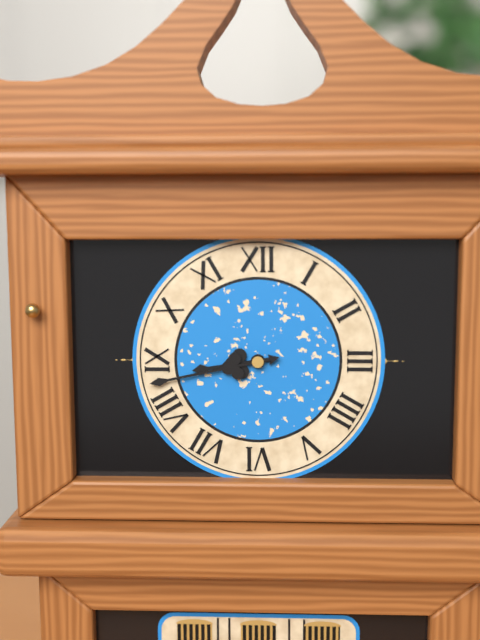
{"hour": 8, "minute": 43}
